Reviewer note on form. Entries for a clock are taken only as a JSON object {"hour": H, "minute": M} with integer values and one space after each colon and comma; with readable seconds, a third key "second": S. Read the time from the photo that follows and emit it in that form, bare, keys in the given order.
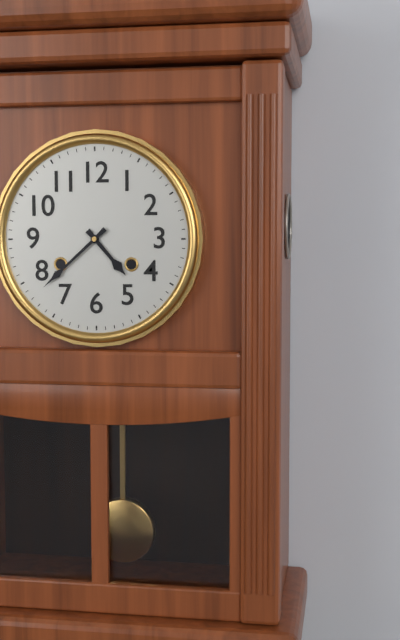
{"hour": 4, "minute": 38}
